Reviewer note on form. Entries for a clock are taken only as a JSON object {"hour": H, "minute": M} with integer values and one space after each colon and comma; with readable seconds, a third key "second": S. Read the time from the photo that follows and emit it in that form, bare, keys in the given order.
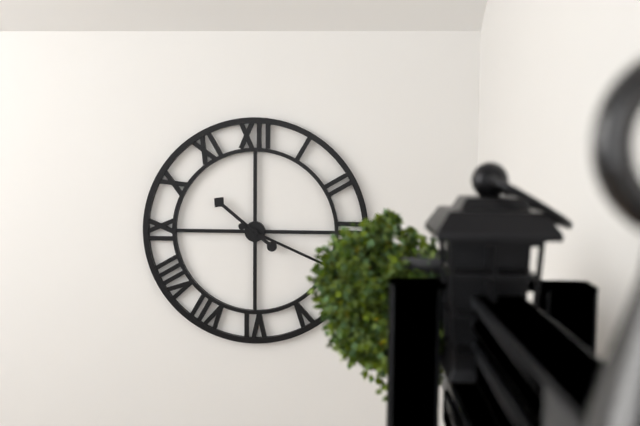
{"hour": 10, "minute": 19}
